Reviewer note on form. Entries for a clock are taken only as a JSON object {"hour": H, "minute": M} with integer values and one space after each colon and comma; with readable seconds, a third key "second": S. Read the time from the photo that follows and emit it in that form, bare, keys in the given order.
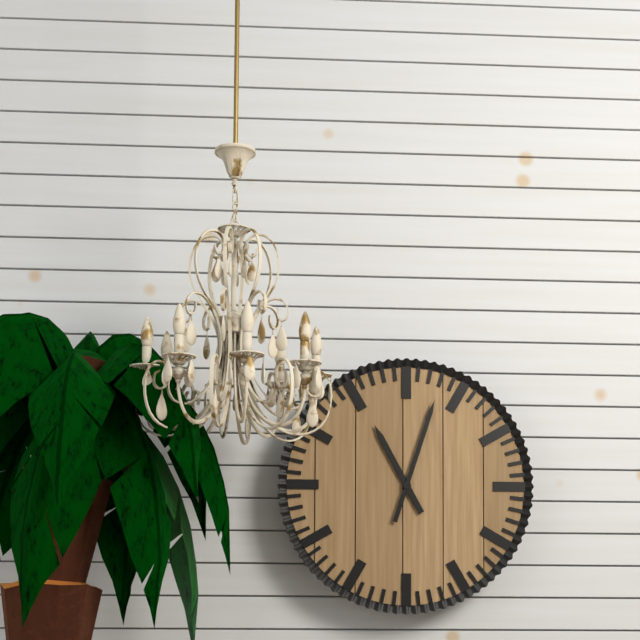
{"hour": 11, "minute": 3}
